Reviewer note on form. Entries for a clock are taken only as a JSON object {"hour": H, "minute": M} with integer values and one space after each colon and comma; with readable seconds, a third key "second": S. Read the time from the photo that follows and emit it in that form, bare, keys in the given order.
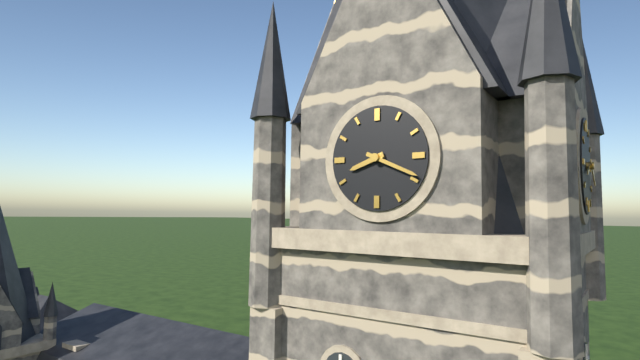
{"hour": 8, "minute": 19}
